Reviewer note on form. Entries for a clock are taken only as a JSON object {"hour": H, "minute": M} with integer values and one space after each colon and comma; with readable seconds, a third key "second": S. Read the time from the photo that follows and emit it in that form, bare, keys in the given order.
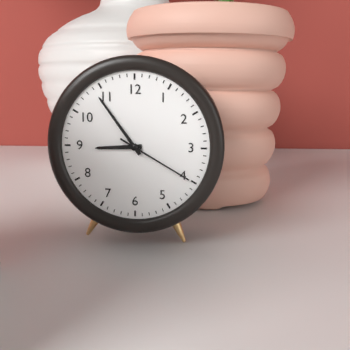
{"hour": 8, "minute": 54, "second": 20}
